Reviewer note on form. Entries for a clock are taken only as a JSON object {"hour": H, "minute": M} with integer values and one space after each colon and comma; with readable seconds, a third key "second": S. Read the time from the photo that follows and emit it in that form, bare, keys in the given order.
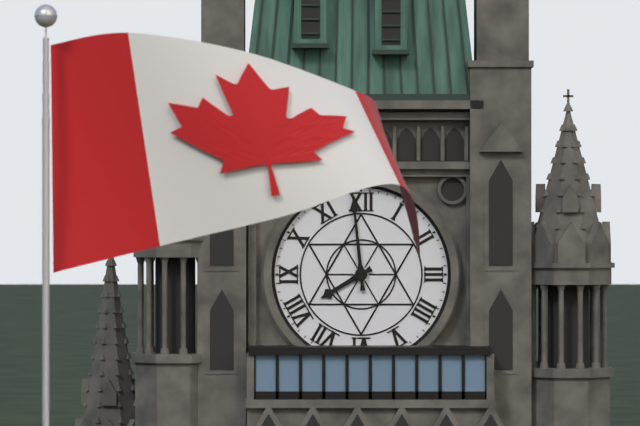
{"hour": 7, "minute": 59}
